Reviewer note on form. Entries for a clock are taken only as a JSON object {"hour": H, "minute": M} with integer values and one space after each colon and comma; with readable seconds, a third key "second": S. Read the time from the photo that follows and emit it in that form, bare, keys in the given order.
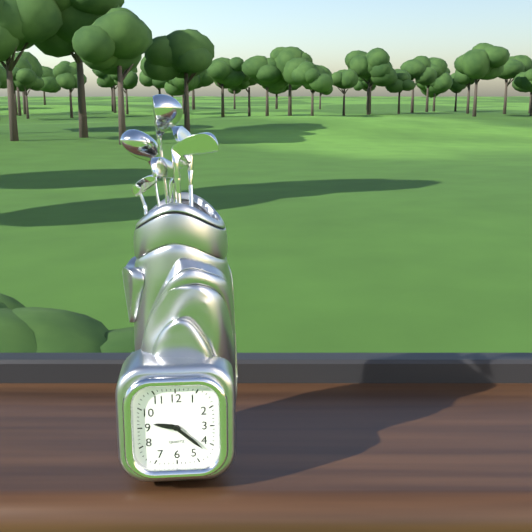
{"hour": 9, "minute": 22}
